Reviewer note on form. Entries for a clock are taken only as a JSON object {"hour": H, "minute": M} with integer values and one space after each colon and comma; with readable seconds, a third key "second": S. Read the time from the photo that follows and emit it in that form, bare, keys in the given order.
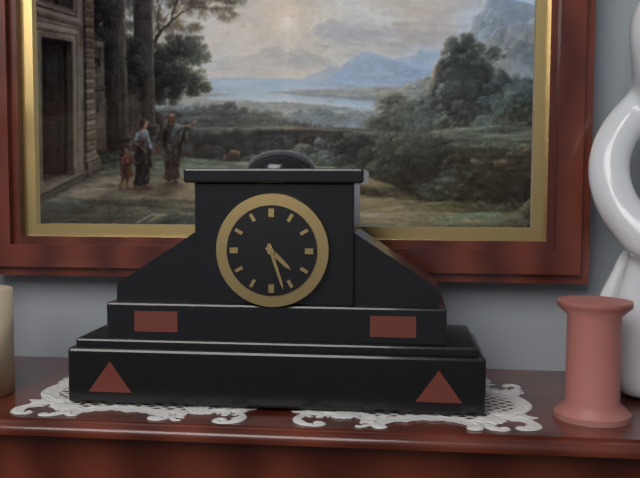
{"hour": 4, "minute": 27}
